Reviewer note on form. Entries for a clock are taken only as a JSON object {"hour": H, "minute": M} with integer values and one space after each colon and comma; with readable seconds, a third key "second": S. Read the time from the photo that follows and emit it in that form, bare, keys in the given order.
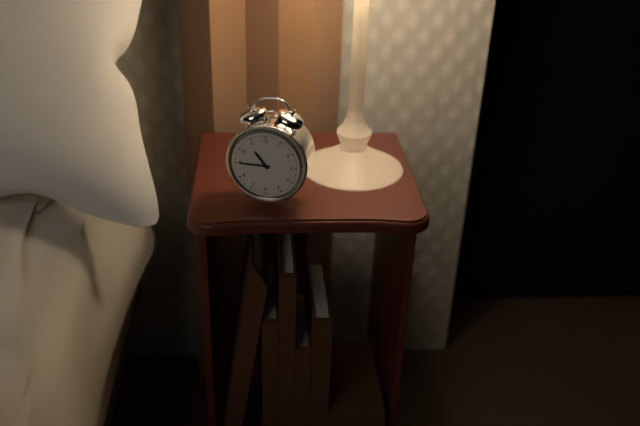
{"hour": 10, "minute": 45}
